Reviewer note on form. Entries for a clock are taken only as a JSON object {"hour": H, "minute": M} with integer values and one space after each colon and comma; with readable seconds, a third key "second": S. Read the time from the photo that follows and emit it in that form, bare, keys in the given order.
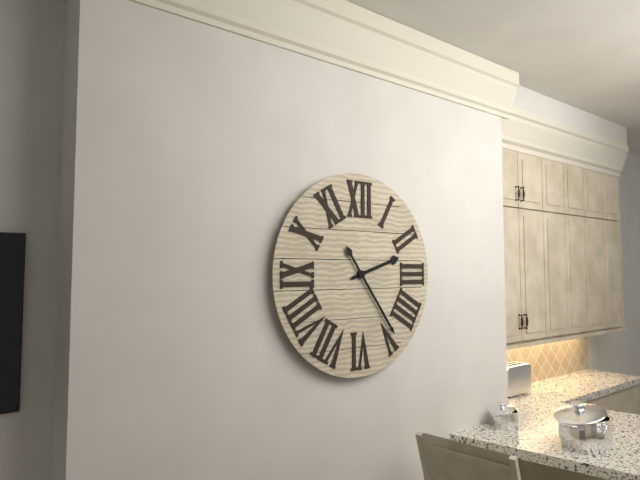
{"hour": 2, "minute": 24}
